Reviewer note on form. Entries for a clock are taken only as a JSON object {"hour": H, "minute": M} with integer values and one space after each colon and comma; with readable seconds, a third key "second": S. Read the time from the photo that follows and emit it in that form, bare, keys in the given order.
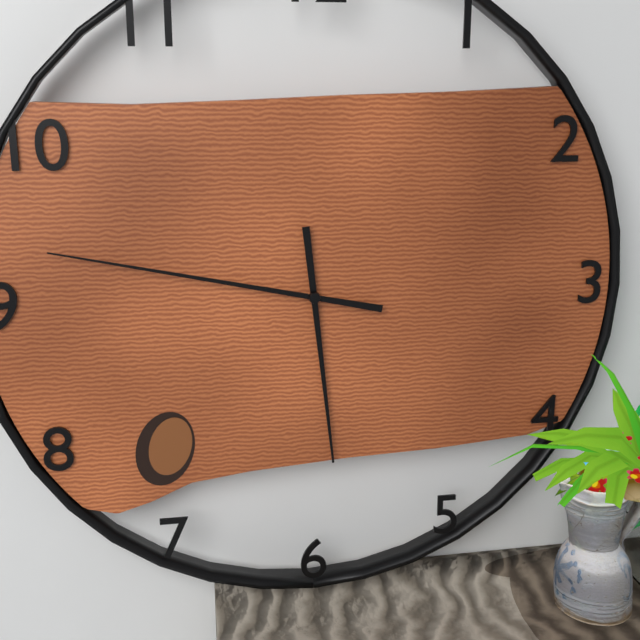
{"hour": 5, "minute": 47}
